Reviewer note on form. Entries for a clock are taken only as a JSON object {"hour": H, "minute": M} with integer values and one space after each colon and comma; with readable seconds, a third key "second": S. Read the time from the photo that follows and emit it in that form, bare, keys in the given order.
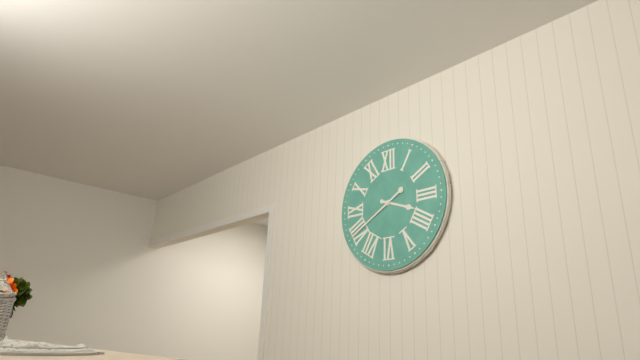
{"hour": 3, "minute": 40}
